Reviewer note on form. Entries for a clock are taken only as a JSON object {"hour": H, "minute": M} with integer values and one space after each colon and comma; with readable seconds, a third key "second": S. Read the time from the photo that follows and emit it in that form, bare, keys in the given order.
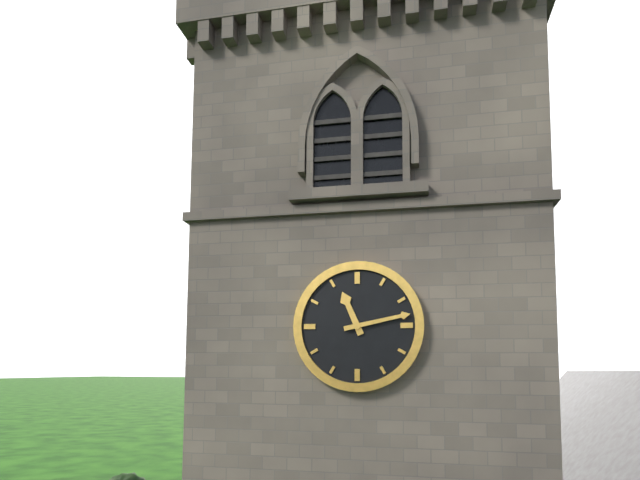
{"hour": 11, "minute": 13}
